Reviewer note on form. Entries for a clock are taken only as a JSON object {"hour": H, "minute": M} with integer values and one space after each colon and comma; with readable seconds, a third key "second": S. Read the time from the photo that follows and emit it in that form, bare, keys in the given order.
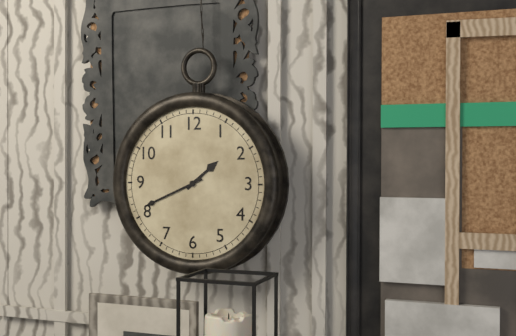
{"hour": 1, "minute": 41}
